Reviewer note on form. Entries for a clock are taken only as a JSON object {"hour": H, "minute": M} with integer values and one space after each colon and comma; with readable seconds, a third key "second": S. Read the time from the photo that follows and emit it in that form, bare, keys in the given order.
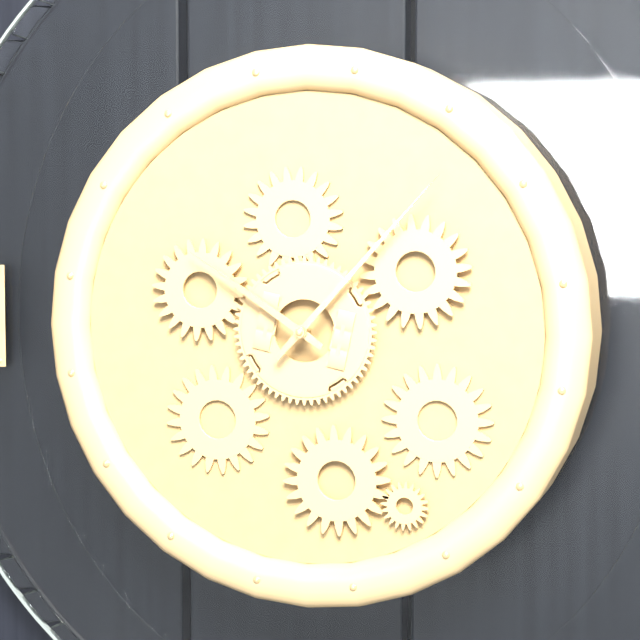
{"hour": 10, "minute": 7}
